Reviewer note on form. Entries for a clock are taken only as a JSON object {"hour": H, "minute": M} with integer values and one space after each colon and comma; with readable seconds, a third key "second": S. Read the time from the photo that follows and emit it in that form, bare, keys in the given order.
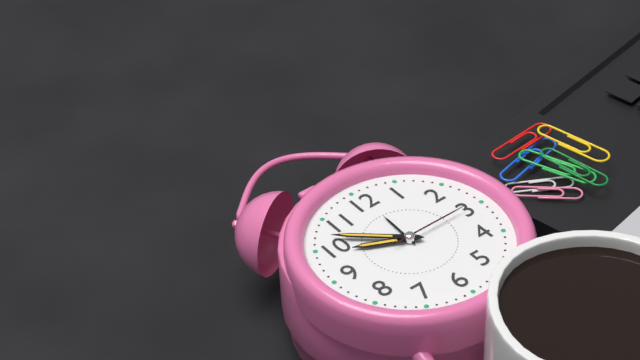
{"hour": 9, "minute": 52, "second": 15}
